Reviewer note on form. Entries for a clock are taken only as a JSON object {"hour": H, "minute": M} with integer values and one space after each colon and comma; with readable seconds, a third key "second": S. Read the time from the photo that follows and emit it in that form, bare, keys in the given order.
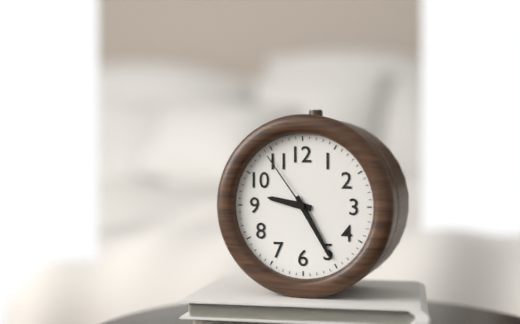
{"hour": 9, "minute": 25, "second": 54}
